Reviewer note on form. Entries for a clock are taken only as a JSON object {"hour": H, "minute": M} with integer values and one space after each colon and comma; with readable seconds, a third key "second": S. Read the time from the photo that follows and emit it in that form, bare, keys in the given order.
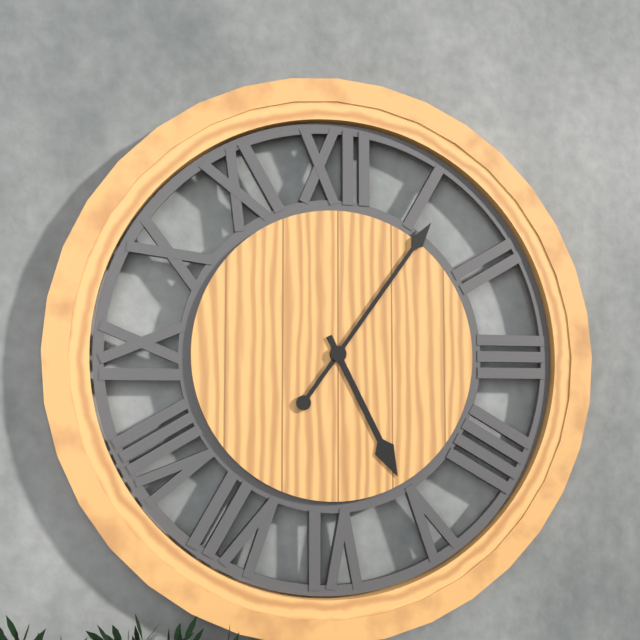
{"hour": 5, "minute": 6}
